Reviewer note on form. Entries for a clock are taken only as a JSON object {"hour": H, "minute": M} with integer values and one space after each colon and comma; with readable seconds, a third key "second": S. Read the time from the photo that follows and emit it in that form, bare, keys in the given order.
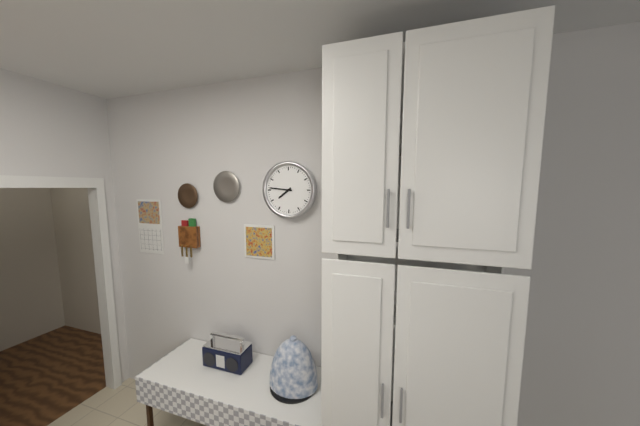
{"hour": 7, "minute": 46}
